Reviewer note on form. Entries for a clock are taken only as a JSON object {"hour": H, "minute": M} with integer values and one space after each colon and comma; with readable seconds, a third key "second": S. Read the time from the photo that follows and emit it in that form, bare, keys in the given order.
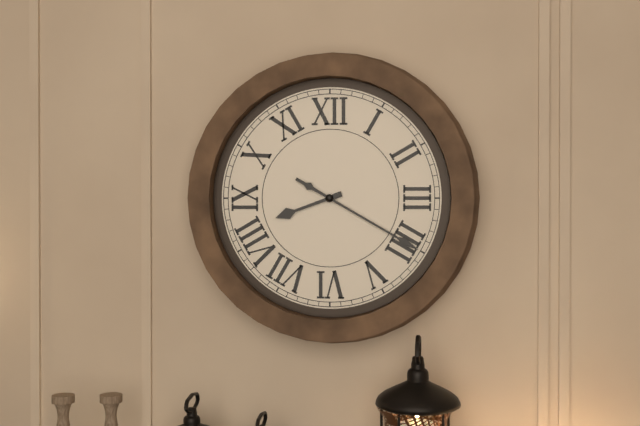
{"hour": 8, "minute": 20}
